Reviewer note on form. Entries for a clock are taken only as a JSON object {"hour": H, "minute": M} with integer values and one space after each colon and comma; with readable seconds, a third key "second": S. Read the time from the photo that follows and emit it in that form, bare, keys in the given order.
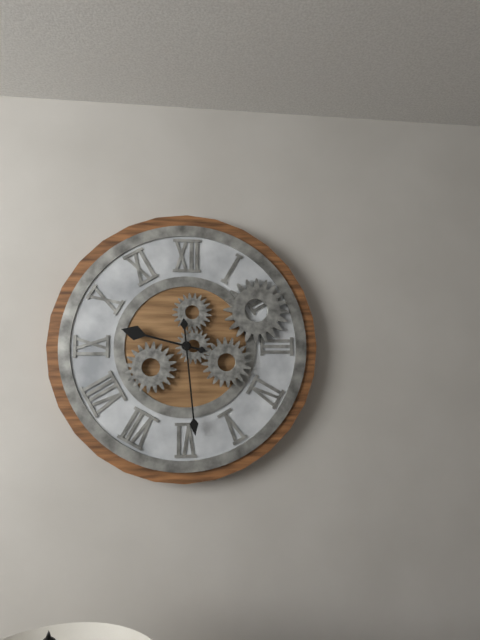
{"hour": 9, "minute": 29}
